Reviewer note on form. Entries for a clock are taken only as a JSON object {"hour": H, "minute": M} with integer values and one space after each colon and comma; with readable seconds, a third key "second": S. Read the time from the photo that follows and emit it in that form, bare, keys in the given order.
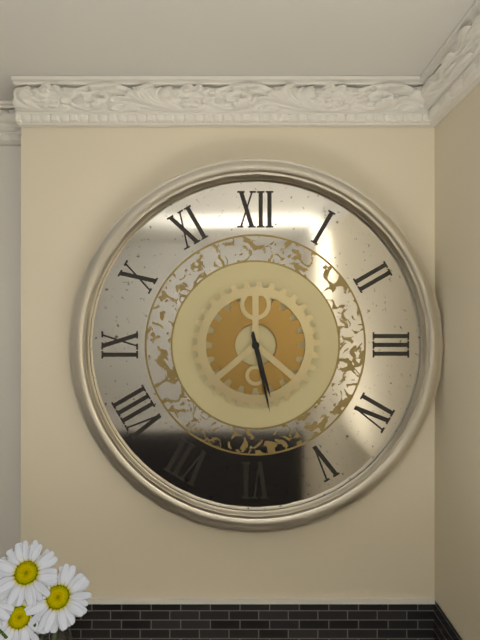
{"hour": 5, "minute": 28}
